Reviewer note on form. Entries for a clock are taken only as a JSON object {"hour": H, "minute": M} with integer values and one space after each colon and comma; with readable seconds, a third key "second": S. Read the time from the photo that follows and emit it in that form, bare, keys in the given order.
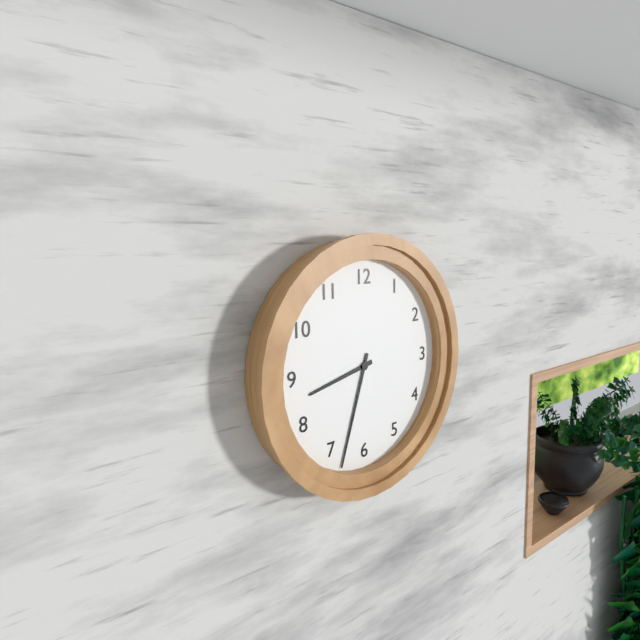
{"hour": 8, "minute": 33}
